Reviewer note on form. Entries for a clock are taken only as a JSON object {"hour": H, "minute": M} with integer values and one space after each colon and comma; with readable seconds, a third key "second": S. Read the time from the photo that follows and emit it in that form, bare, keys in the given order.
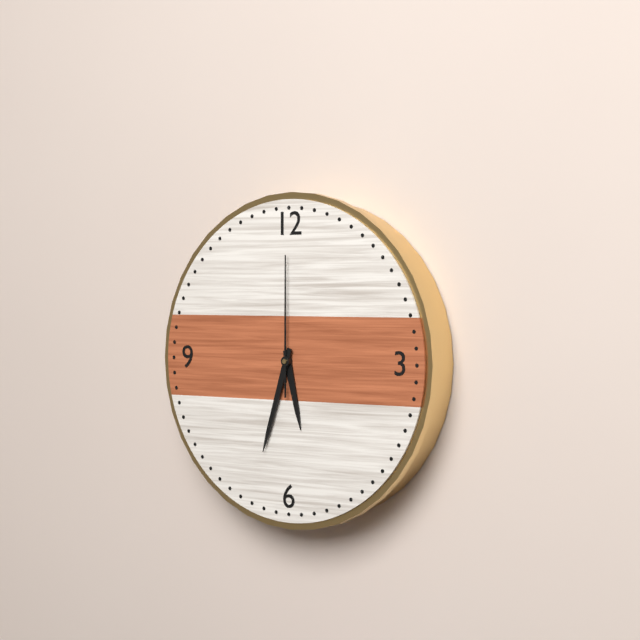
{"hour": 5, "minute": 33, "second": 0}
